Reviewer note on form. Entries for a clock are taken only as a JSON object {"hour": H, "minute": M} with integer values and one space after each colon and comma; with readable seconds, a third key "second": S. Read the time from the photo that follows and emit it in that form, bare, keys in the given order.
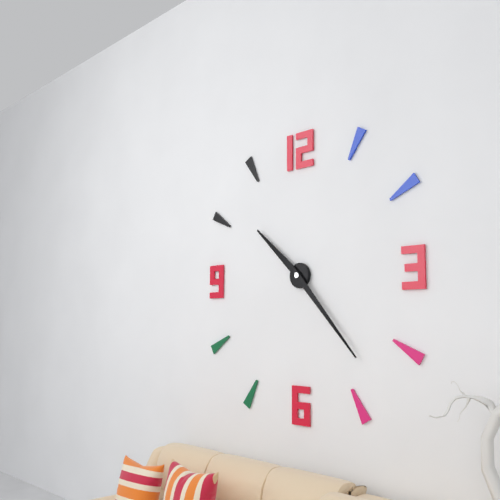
{"hour": 10, "minute": 23}
